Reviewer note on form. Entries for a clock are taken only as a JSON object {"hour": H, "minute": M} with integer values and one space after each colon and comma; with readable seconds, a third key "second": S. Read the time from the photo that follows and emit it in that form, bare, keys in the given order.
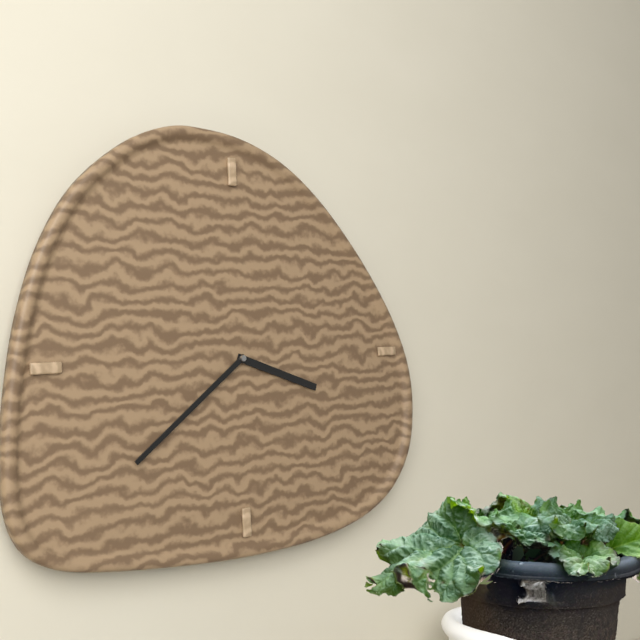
{"hour": 3, "minute": 39}
